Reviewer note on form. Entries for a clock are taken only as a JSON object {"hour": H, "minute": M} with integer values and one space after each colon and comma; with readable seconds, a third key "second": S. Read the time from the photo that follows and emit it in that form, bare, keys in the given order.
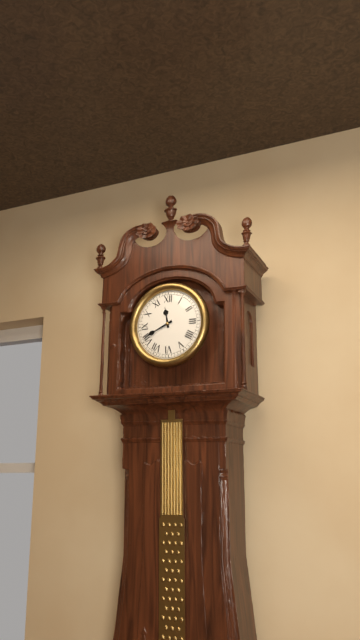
{"hour": 11, "minute": 41}
